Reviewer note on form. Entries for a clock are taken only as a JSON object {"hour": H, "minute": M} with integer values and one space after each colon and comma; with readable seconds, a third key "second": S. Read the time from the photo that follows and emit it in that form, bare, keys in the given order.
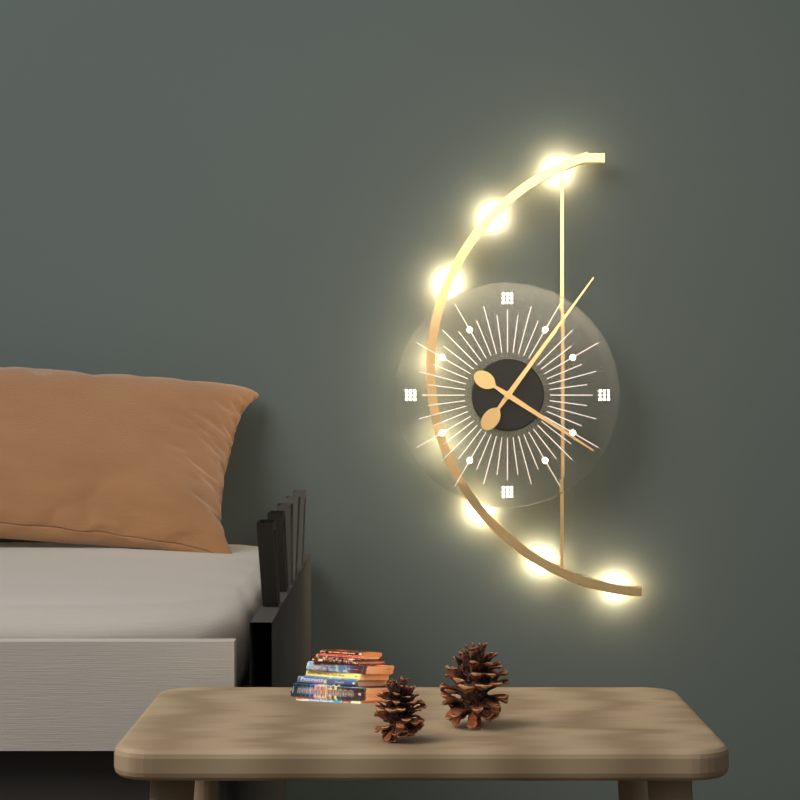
{"hour": 4, "minute": 6}
